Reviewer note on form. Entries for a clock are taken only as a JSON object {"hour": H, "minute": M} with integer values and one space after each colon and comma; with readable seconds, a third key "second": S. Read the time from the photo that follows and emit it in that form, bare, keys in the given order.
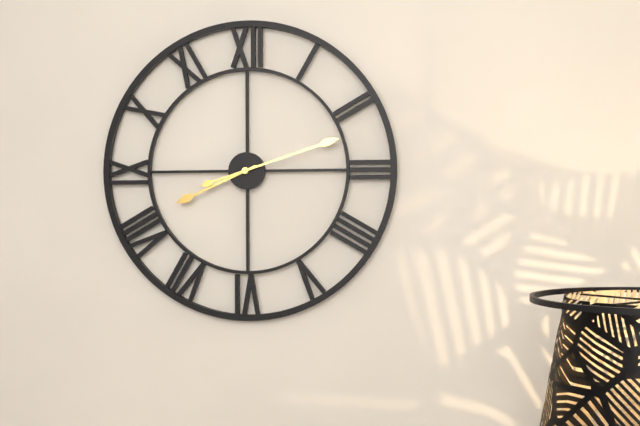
{"hour": 8, "minute": 12}
